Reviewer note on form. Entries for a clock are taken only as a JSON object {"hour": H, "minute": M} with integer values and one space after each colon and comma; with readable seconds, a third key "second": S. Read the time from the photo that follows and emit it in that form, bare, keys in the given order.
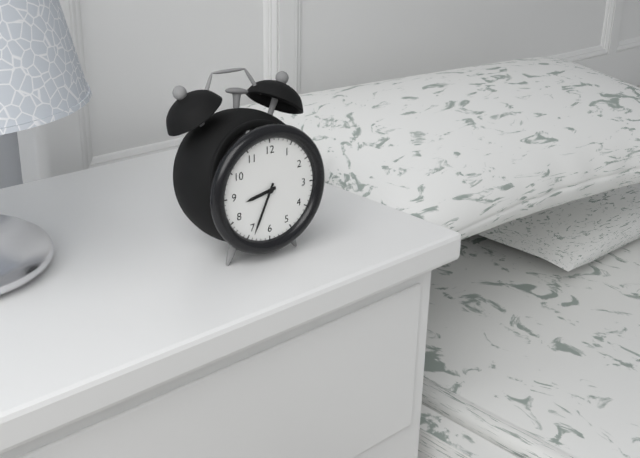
{"hour": 8, "minute": 34}
